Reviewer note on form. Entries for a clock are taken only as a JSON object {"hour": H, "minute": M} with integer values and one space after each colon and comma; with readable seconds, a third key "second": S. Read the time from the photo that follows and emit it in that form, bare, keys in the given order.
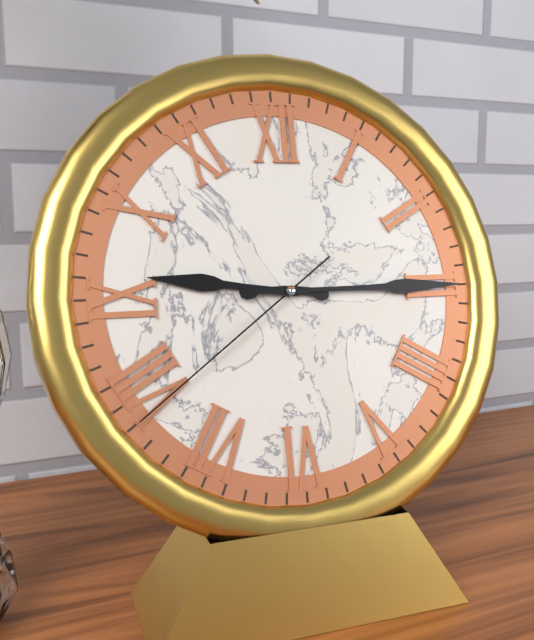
{"hour": 9, "minute": 15, "second": 39}
